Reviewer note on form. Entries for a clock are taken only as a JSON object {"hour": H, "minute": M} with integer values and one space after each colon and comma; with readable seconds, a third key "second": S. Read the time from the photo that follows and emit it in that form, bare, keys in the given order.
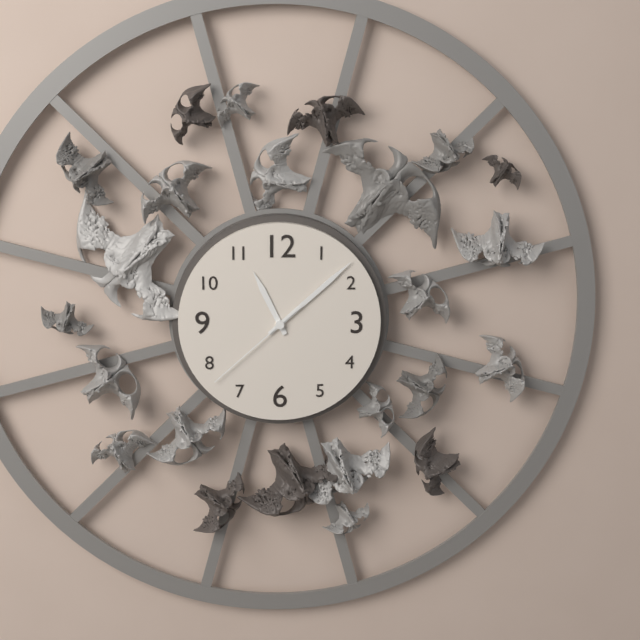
{"hour": 11, "minute": 8, "second": 38}
